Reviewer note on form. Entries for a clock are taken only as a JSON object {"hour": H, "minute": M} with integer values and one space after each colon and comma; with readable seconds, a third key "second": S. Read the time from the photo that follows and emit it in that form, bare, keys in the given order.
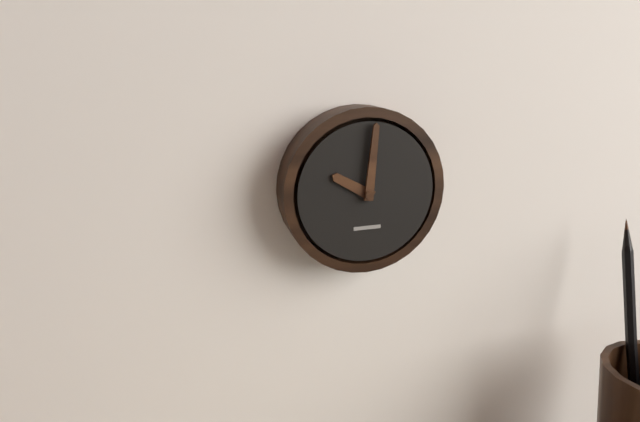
{"hour": 10, "minute": 1}
